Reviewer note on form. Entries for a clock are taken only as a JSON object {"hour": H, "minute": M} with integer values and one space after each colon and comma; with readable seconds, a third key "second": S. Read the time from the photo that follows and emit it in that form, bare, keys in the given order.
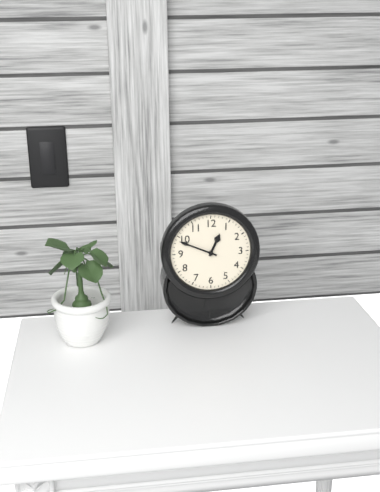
{"hour": 12, "minute": 49}
